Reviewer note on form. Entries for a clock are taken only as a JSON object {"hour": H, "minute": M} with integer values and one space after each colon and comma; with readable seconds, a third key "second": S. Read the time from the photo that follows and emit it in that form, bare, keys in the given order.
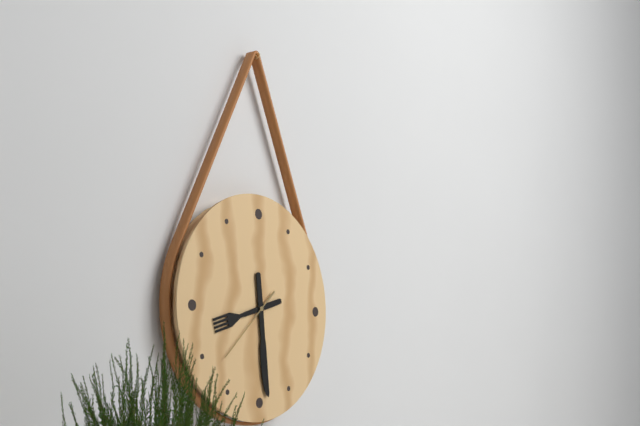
{"hour": 8, "minute": 29, "second": 38}
